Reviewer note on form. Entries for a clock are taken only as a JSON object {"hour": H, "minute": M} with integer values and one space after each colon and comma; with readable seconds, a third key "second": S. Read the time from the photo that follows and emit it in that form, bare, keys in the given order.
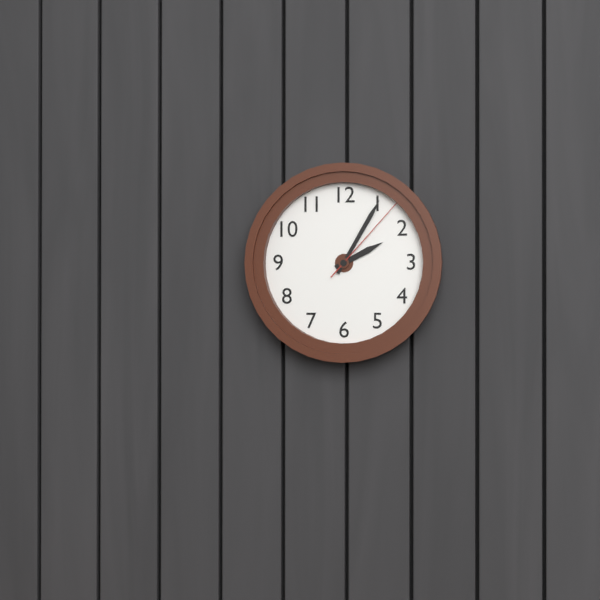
{"hour": 2, "minute": 5, "second": 7}
